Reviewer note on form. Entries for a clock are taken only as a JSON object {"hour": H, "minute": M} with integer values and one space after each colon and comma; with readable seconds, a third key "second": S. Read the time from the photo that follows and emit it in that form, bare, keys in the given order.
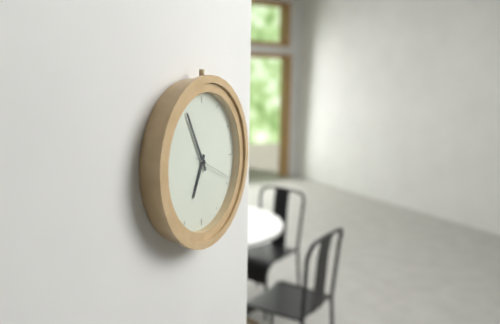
{"hour": 6, "minute": 55}
